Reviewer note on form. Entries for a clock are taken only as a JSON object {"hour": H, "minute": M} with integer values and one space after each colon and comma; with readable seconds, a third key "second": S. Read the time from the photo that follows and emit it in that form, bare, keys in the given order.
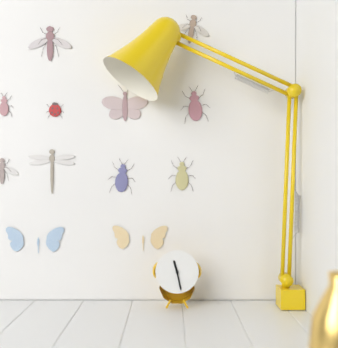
{"hour": 11, "minute": 28}
